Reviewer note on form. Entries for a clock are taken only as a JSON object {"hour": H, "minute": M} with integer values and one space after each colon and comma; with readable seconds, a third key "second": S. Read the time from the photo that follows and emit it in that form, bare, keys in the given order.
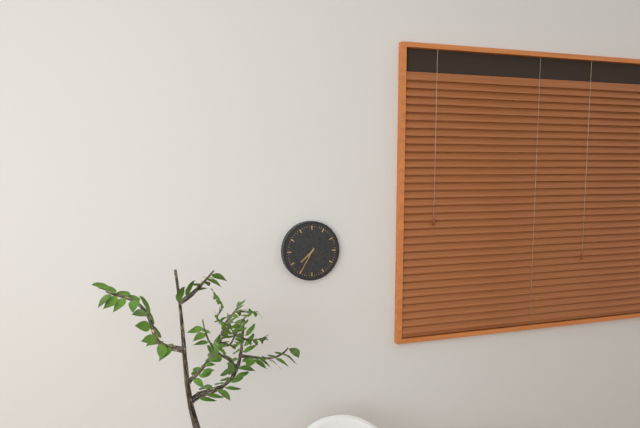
{"hour": 7, "minute": 35}
